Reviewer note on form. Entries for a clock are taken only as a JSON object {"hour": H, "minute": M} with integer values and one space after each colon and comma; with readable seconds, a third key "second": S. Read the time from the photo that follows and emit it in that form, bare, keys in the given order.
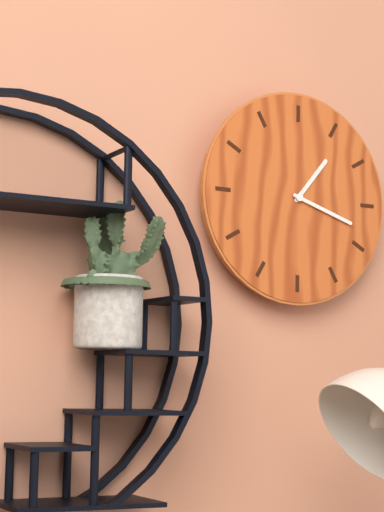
{"hour": 1, "minute": 18}
